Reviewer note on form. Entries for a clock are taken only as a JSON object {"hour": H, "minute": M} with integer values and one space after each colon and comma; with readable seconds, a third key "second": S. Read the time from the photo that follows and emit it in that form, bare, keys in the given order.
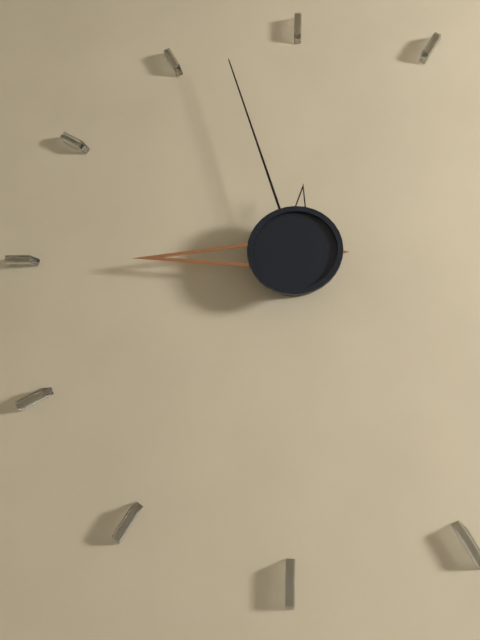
{"hour": 8, "minute": 57, "second": 1}
